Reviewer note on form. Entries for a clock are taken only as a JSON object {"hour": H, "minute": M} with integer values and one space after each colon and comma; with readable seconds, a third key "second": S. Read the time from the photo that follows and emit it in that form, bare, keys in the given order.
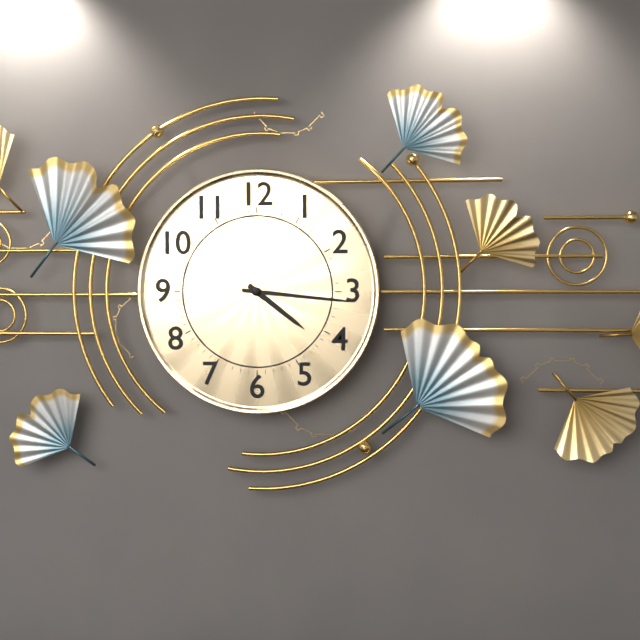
{"hour": 4, "minute": 16}
